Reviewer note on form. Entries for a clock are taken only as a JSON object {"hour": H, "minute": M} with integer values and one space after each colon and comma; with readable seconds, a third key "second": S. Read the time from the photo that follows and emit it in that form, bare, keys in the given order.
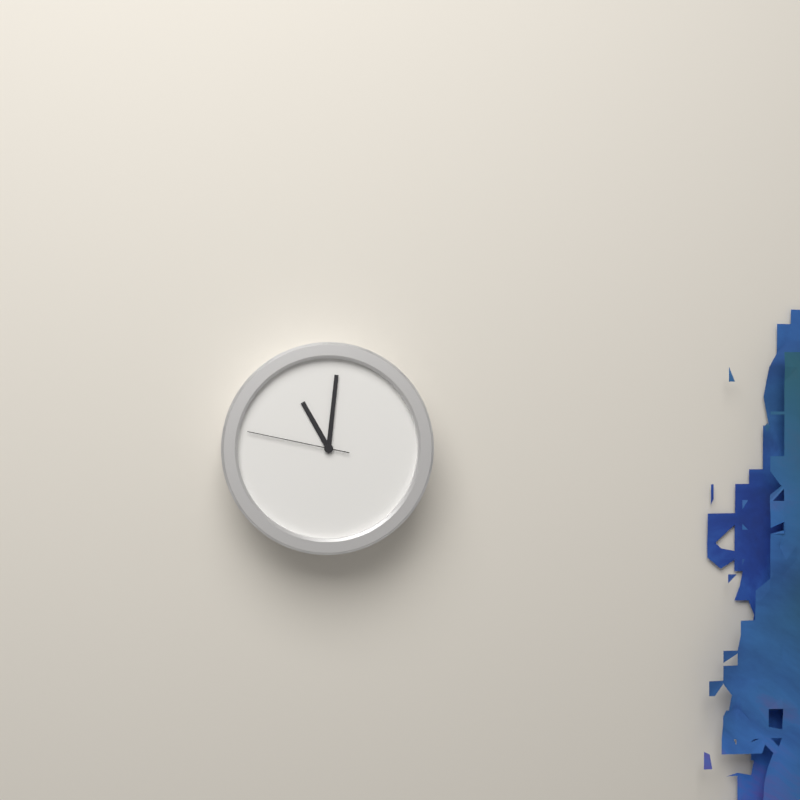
{"hour": 11, "minute": 1, "second": 47}
